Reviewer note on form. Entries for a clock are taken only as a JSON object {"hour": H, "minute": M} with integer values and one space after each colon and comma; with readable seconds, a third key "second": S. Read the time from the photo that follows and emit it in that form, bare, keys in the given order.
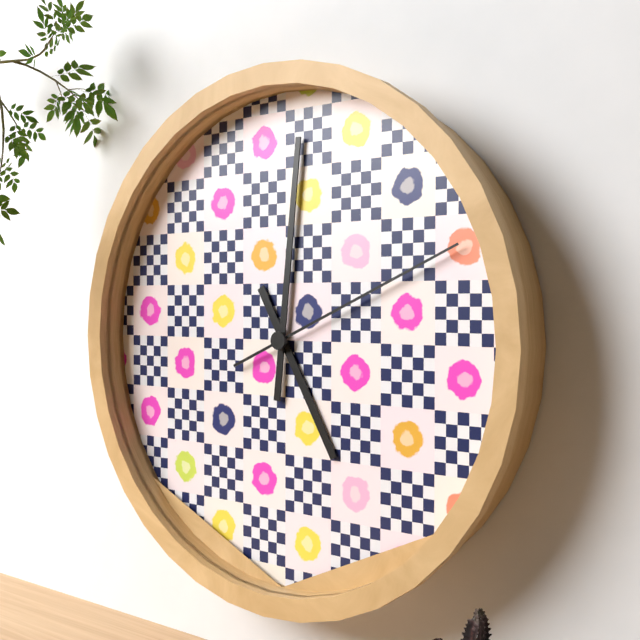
{"hour": 5, "minute": 1, "second": 11}
